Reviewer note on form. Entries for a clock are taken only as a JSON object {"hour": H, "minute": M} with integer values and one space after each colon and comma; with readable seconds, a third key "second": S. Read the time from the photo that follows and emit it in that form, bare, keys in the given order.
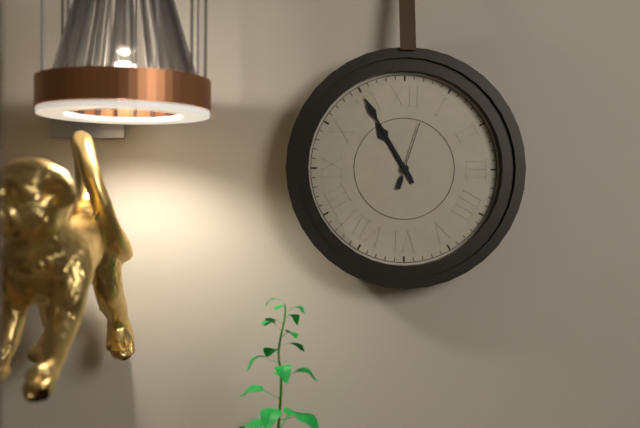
{"hour": 10, "minute": 55, "second": 3}
